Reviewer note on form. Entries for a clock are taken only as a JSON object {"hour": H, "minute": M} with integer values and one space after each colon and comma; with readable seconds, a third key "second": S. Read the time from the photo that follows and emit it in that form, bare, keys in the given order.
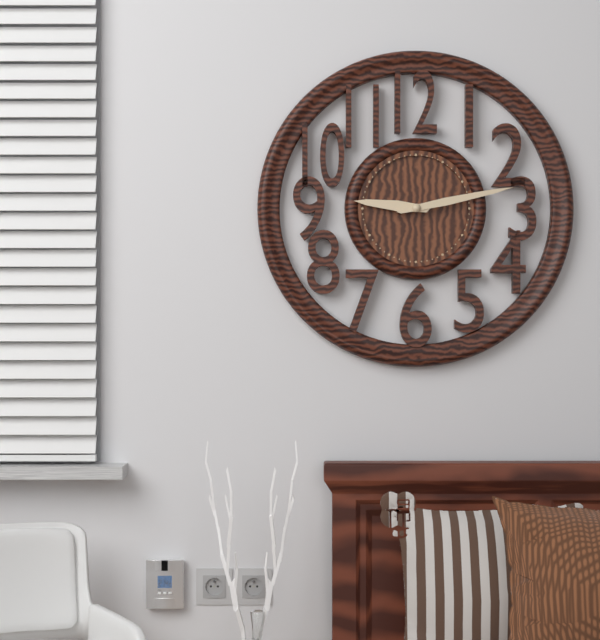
{"hour": 9, "minute": 13}
